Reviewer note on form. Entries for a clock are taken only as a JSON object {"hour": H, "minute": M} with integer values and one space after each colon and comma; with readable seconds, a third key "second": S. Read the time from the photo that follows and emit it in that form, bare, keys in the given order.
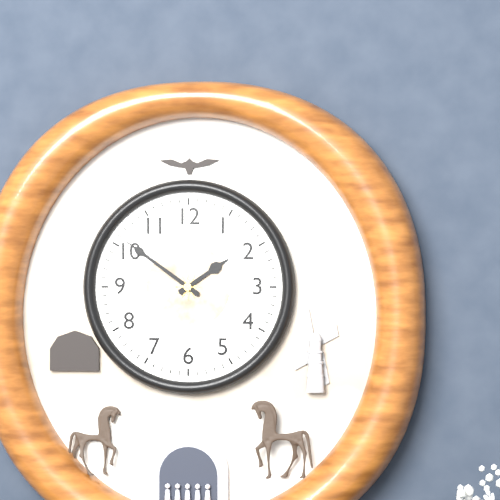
{"hour": 1, "minute": 51}
